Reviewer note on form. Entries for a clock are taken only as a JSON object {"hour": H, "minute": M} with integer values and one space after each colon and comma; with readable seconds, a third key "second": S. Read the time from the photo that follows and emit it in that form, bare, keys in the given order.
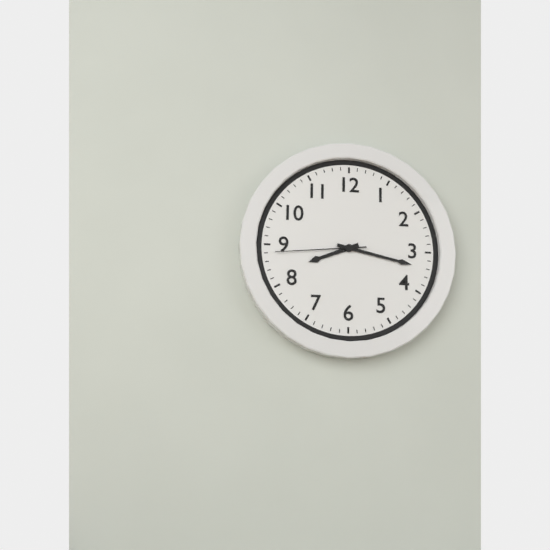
{"hour": 8, "minute": 17, "second": 44}
